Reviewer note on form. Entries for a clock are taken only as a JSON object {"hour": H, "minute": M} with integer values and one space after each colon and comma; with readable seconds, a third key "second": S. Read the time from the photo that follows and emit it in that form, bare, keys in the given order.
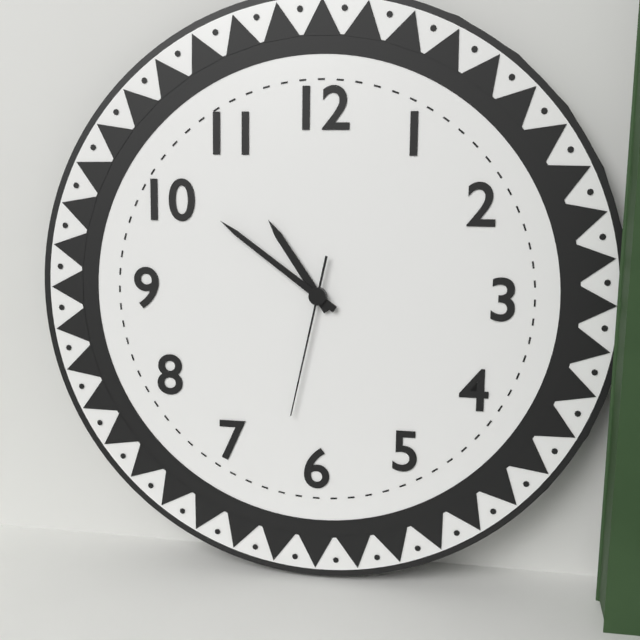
{"hour": 10, "minute": 51, "second": 32}
